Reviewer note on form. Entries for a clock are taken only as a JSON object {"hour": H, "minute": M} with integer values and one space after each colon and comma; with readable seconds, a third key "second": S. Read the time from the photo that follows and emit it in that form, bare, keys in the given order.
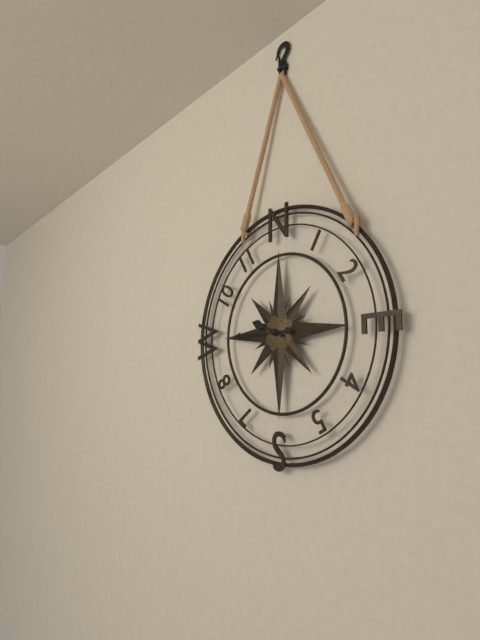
{"hour": 9, "minute": 45}
